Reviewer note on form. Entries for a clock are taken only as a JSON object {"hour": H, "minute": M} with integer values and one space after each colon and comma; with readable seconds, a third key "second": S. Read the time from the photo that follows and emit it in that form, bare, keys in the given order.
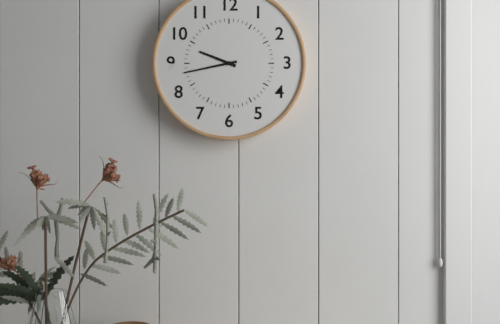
{"hour": 9, "minute": 43}
